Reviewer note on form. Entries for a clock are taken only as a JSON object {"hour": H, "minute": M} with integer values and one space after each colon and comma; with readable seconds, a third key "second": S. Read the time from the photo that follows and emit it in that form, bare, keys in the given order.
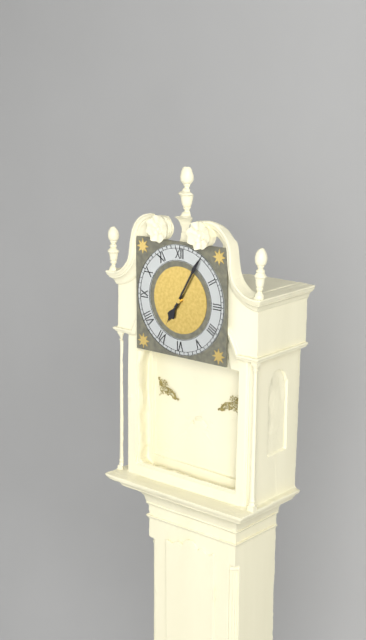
{"hour": 7, "minute": 5}
